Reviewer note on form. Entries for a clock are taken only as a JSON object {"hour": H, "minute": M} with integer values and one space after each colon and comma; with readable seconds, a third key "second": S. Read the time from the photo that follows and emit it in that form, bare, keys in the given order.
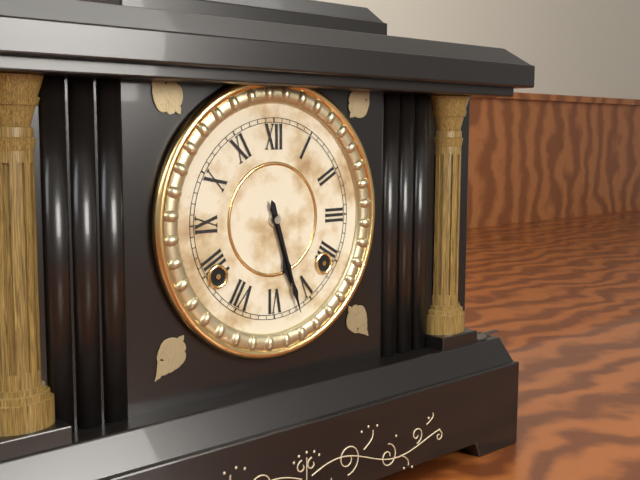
{"hour": 5, "minute": 27}
